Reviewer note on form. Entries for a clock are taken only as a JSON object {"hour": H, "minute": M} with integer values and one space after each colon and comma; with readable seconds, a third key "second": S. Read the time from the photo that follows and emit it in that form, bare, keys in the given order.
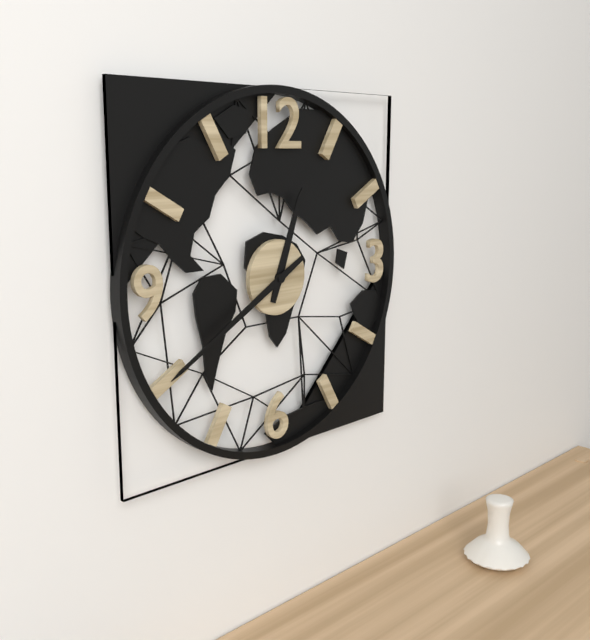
{"hour": 12, "minute": 40}
